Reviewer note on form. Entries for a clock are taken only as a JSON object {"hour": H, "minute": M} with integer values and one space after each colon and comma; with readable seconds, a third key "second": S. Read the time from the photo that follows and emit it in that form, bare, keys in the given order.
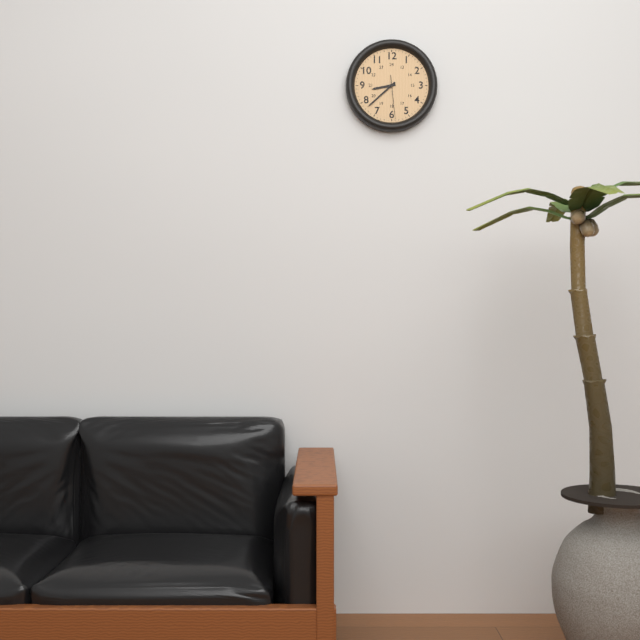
{"hour": 8, "minute": 38}
